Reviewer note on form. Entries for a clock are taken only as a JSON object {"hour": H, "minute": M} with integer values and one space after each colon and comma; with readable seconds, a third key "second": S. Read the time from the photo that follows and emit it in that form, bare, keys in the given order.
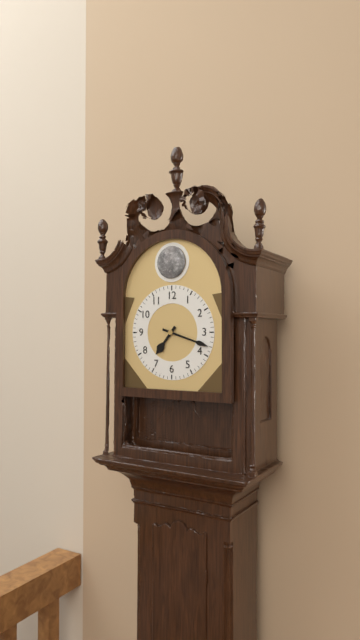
{"hour": 7, "minute": 18}
